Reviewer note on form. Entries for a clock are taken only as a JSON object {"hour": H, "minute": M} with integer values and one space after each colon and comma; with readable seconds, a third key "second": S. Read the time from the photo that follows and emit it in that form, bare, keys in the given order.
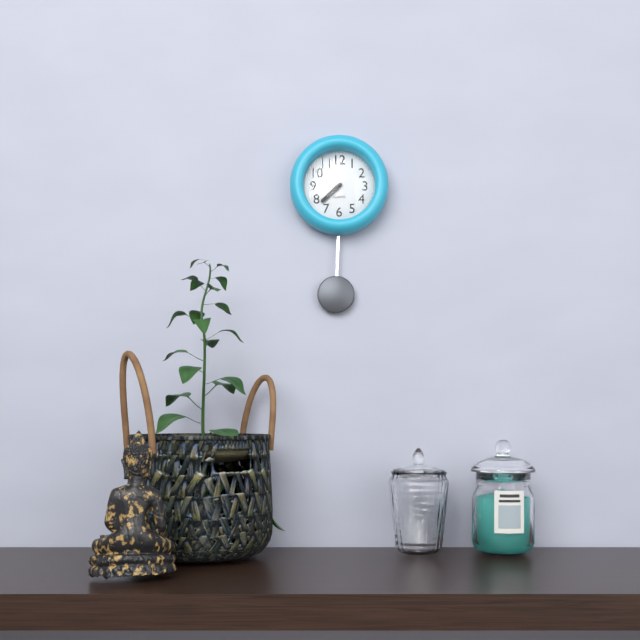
{"hour": 7, "minute": 38}
